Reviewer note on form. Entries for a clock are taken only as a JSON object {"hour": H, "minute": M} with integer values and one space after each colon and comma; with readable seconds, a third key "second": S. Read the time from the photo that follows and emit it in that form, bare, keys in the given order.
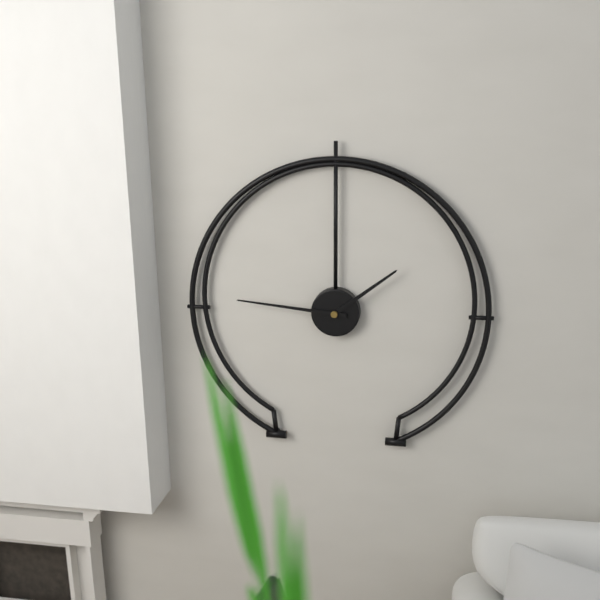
{"hour": 1, "minute": 46}
